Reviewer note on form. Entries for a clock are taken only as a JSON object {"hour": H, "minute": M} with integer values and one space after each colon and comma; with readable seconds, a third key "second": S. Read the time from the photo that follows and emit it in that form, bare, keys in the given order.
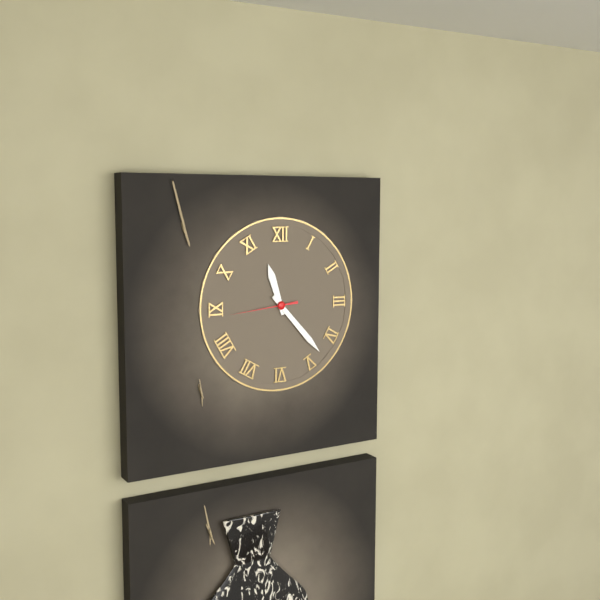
{"hour": 11, "minute": 23, "second": 44}
